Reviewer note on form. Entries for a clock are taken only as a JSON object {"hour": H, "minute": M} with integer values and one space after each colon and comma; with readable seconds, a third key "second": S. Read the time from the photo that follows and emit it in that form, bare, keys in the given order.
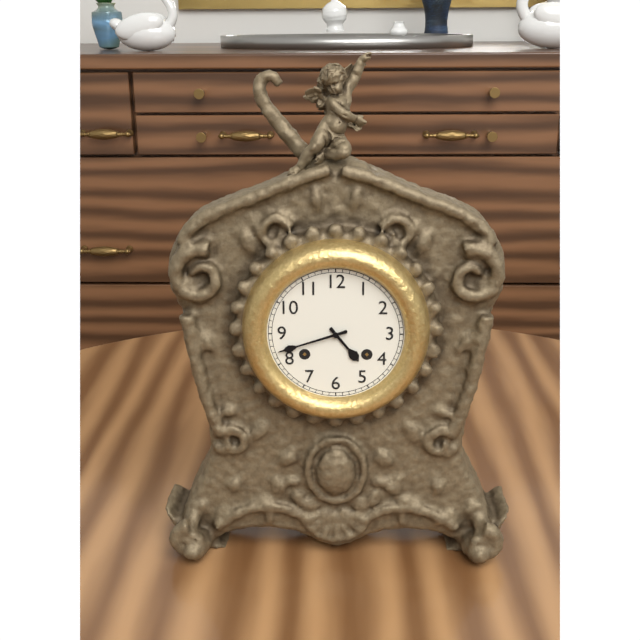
{"hour": 4, "minute": 42}
